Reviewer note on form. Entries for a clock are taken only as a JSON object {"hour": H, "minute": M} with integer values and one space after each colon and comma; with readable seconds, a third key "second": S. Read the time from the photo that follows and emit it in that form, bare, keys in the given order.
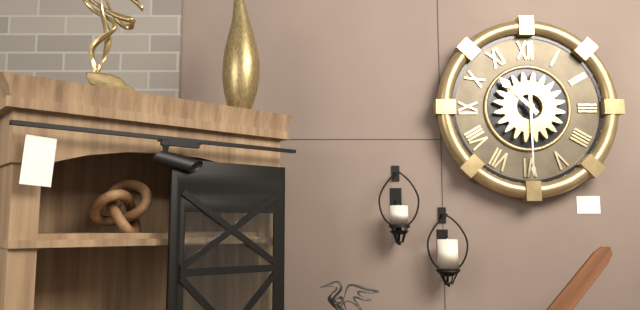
{"hour": 10, "minute": 30}
